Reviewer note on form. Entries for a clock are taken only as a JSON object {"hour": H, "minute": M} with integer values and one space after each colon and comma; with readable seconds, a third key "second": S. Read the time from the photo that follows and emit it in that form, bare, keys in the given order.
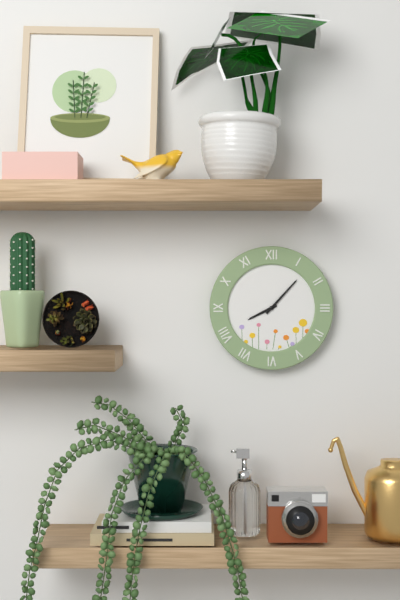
{"hour": 8, "minute": 7}
